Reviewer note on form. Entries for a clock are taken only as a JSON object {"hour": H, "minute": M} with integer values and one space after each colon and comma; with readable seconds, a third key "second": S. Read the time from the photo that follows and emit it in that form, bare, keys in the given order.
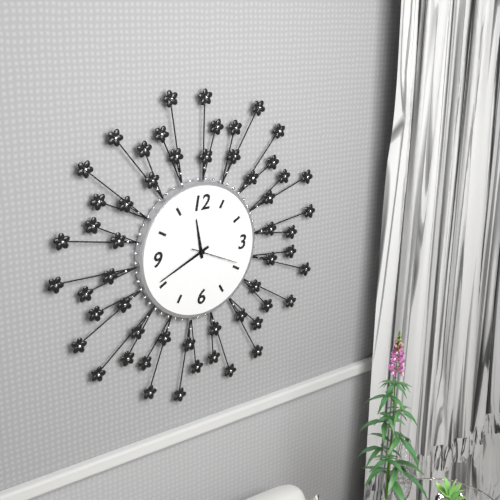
{"hour": 11, "minute": 41}
